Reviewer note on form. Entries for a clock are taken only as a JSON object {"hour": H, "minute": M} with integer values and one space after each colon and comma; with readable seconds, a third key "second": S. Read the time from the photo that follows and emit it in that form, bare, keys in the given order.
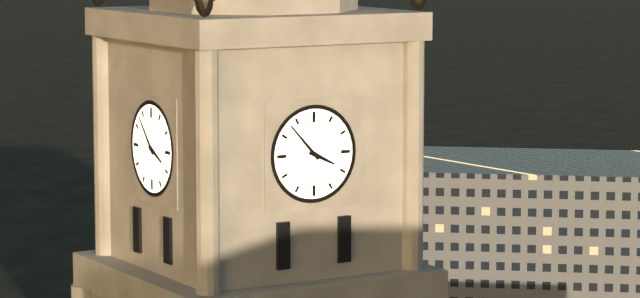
{"hour": 3, "minute": 53}
